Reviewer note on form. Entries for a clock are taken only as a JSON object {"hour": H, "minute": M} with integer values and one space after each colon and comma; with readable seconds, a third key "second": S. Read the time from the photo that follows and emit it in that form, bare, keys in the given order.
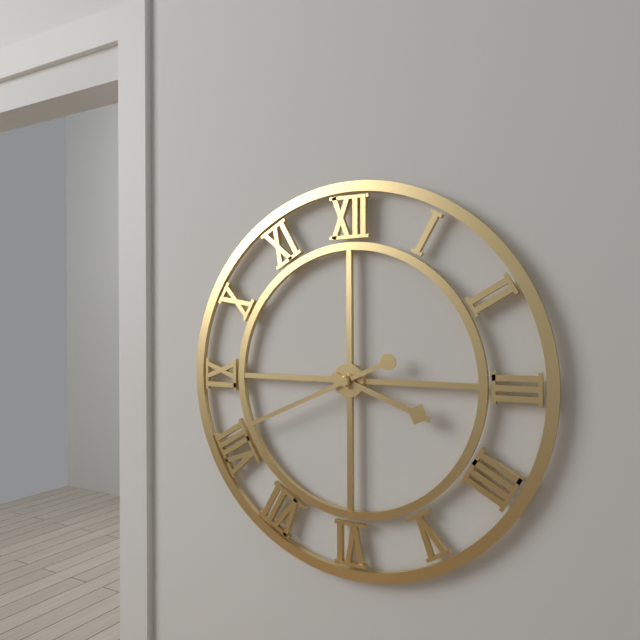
{"hour": 3, "minute": 41}
